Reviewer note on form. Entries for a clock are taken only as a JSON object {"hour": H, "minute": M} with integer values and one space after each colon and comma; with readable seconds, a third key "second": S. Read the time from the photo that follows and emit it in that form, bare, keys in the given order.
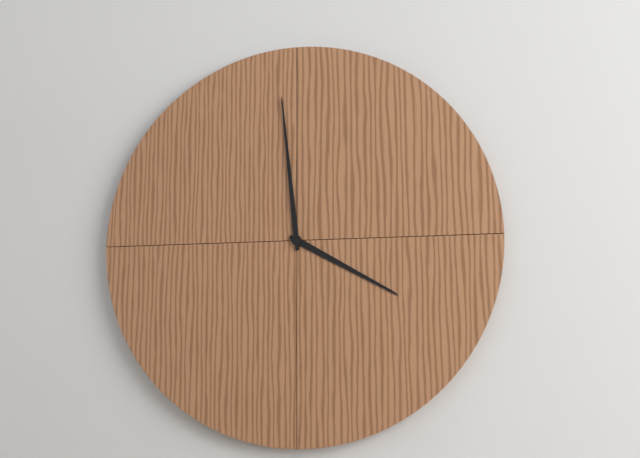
{"hour": 3, "minute": 59}
